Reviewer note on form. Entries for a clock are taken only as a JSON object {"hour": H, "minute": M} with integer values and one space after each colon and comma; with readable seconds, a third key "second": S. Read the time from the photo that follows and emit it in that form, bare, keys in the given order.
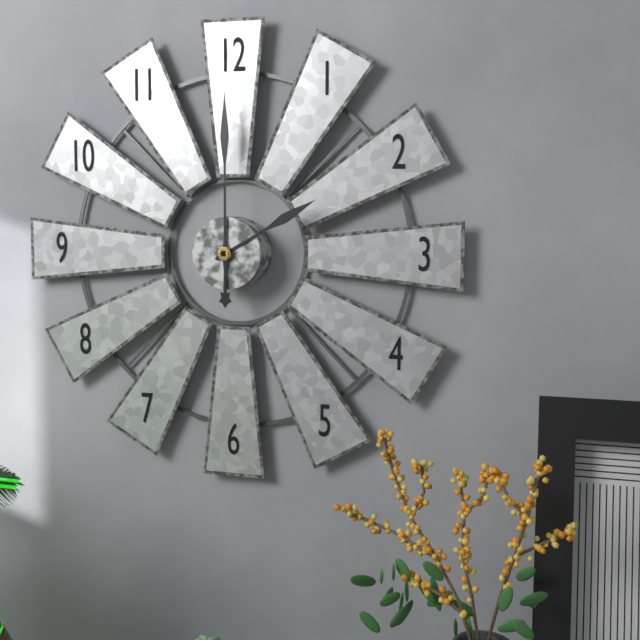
{"hour": 2, "minute": 0}
